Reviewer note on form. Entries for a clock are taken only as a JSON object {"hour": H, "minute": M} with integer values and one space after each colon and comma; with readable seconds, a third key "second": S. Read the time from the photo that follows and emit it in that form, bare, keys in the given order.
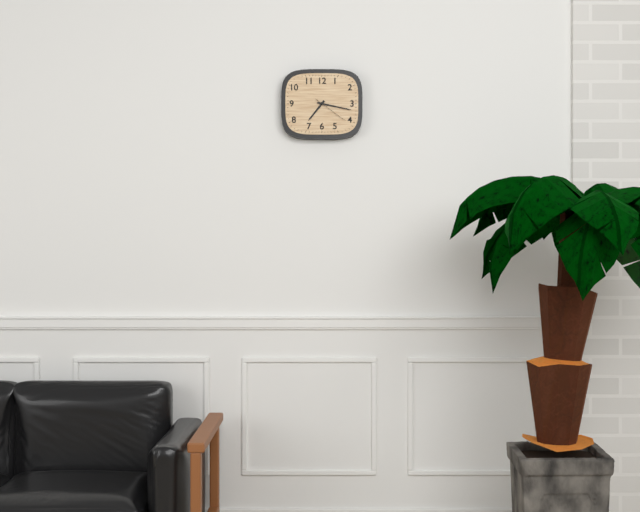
{"hour": 7, "minute": 17}
